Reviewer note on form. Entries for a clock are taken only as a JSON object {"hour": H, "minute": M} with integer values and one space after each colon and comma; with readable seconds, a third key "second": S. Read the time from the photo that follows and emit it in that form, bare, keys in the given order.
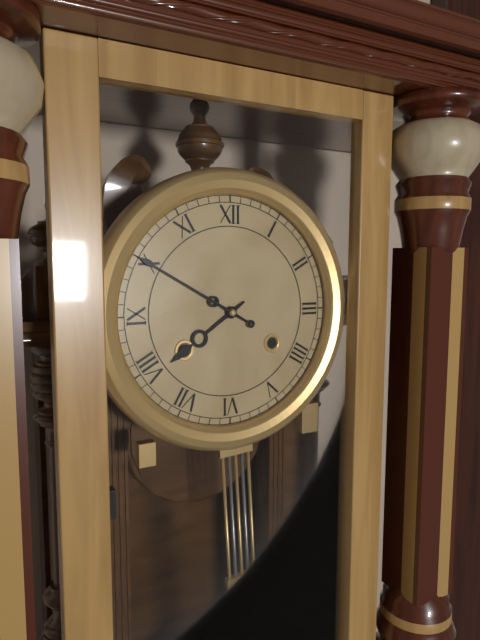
{"hour": 7, "minute": 50}
